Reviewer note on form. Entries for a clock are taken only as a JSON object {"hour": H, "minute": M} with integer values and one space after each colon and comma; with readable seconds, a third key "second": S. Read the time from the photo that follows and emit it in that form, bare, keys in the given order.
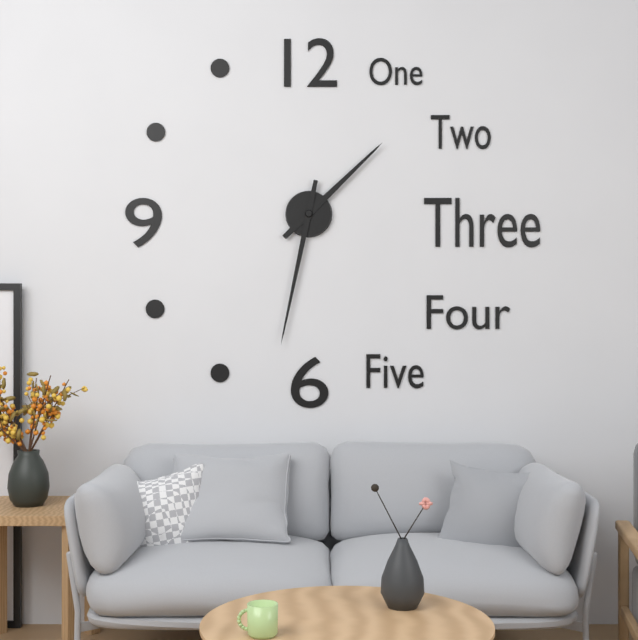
{"hour": 1, "minute": 32}
